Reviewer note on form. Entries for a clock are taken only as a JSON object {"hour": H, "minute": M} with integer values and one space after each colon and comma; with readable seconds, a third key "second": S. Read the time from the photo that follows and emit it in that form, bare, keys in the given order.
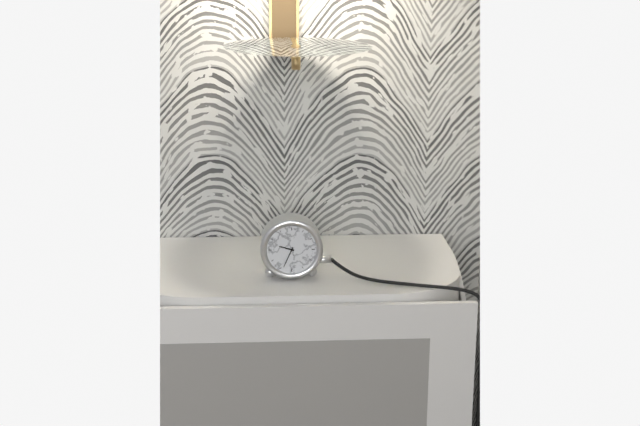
{"hour": 9, "minute": 34}
